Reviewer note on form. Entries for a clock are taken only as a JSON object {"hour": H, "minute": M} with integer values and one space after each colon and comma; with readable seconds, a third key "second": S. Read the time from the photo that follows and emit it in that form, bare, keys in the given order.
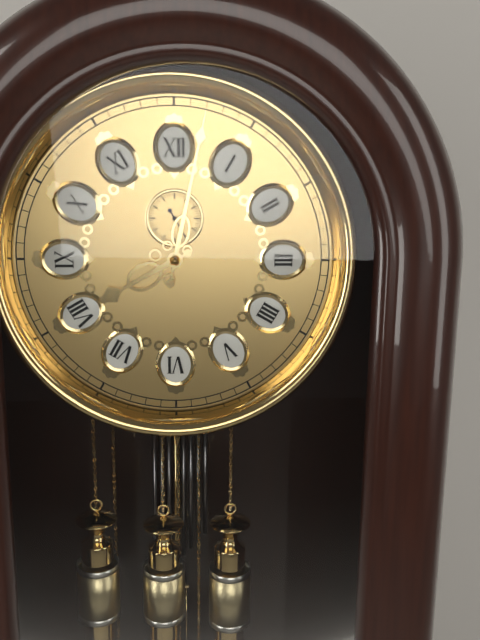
{"hour": 8, "minute": 2}
